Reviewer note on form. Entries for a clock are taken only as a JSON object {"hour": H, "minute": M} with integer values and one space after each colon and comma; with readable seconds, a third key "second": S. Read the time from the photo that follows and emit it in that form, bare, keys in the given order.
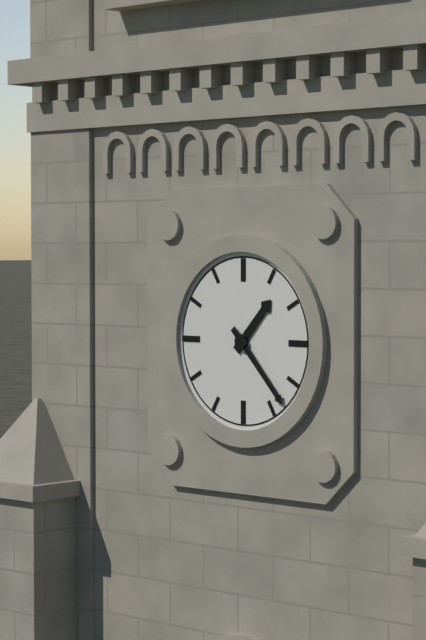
{"hour": 1, "minute": 23}
